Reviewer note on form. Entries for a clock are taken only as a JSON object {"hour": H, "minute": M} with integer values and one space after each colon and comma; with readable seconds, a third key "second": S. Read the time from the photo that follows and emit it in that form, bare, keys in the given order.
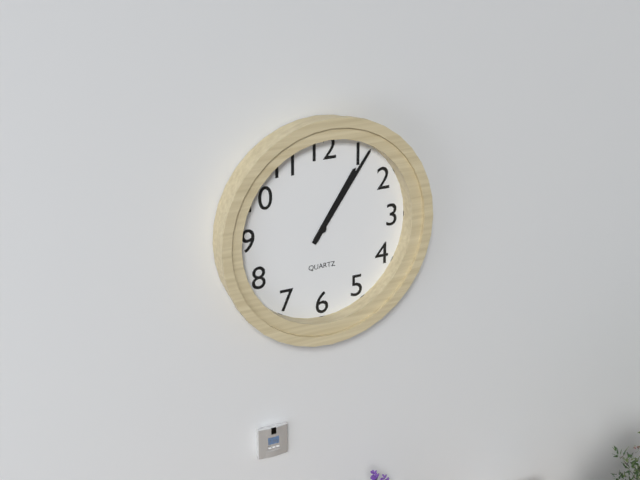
{"hour": 1, "minute": 6}
